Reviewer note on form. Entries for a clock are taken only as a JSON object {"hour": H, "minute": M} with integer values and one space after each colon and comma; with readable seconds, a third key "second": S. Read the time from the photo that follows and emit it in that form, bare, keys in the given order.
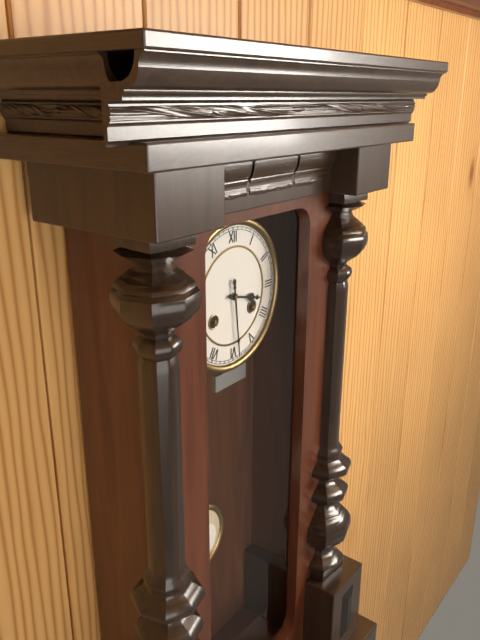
{"hour": 3, "minute": 29}
